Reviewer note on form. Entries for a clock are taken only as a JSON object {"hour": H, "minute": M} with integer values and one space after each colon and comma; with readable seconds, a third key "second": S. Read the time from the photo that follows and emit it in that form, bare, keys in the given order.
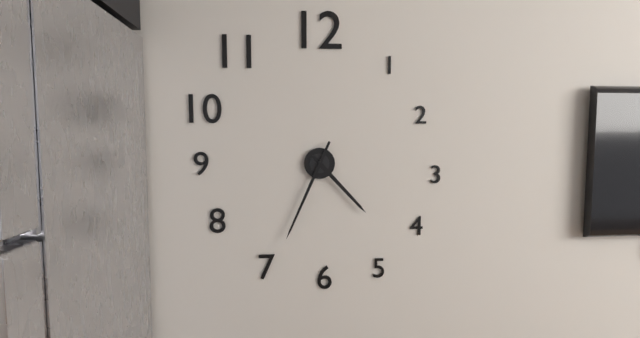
{"hour": 4, "minute": 34}
